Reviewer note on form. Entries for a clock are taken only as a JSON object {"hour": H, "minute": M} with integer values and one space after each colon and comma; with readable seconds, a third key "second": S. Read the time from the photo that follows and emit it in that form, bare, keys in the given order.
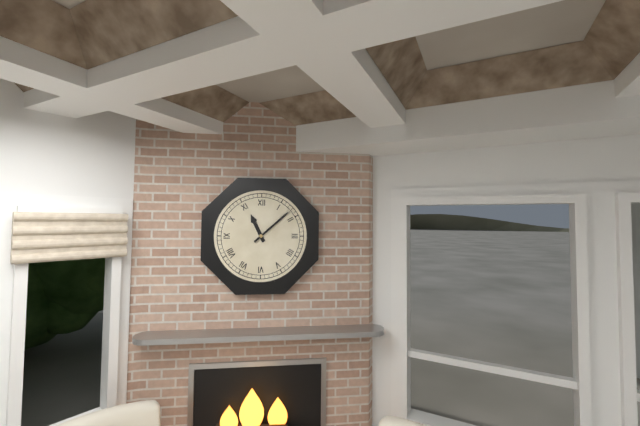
{"hour": 11, "minute": 8}
